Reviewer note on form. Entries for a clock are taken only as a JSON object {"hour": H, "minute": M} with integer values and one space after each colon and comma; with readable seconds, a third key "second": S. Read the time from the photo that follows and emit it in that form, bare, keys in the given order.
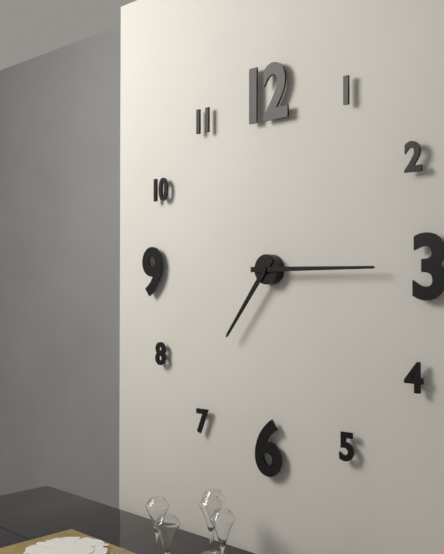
{"hour": 7, "minute": 15}
